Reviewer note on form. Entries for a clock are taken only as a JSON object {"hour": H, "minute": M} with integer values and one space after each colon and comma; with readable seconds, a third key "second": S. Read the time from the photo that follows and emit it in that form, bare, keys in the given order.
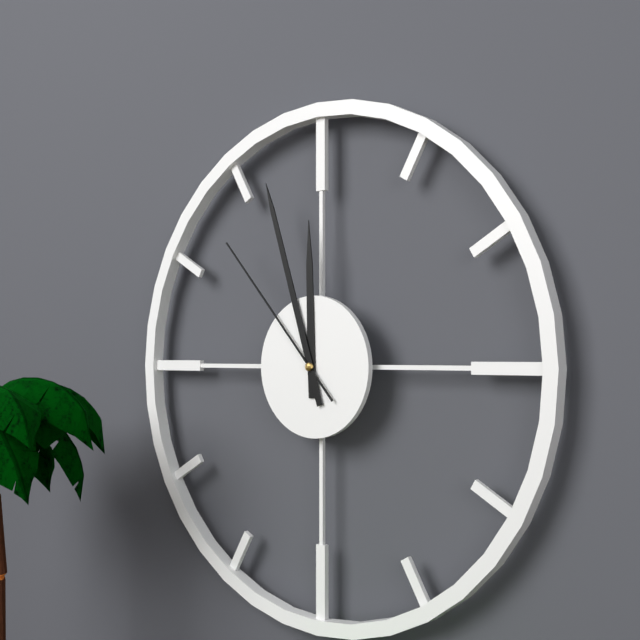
{"hour": 11, "minute": 57, "second": 53}
